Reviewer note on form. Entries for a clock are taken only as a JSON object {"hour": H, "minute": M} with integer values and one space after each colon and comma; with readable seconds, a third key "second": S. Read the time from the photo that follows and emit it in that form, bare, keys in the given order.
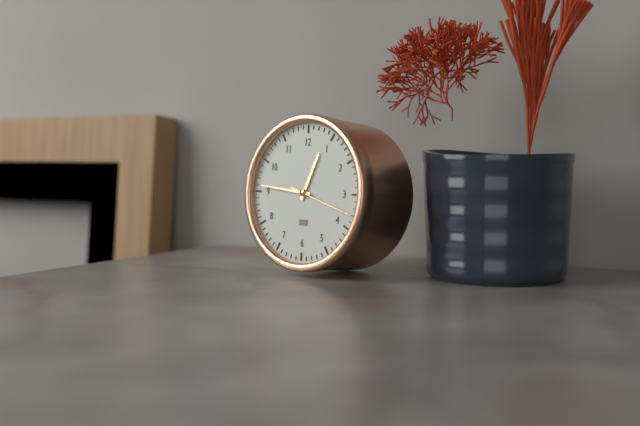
{"hour": 12, "minute": 46, "second": 18}
